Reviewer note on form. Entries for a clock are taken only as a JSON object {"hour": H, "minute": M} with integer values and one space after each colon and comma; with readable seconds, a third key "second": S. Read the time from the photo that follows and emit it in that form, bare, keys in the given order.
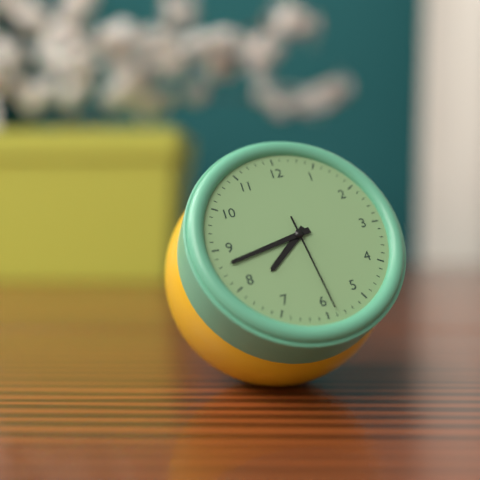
{"hour": 7, "minute": 43, "second": 29}
